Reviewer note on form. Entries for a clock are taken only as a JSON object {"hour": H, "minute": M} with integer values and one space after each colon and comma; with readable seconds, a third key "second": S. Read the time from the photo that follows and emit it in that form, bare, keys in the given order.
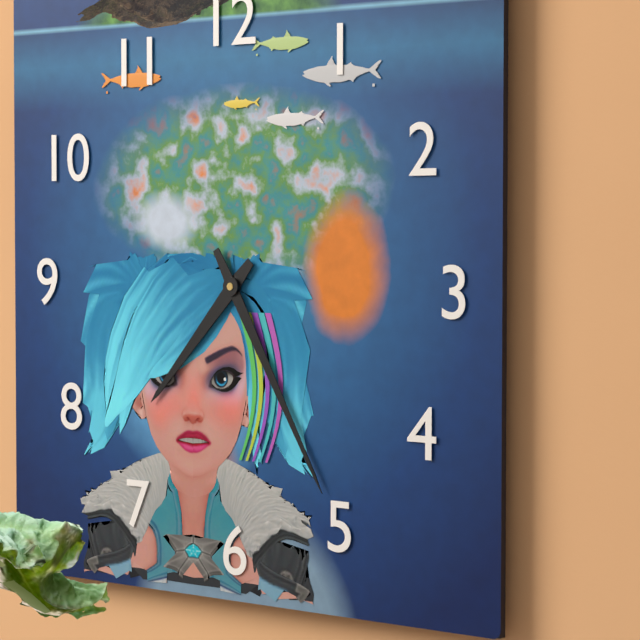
{"hour": 7, "minute": 25}
